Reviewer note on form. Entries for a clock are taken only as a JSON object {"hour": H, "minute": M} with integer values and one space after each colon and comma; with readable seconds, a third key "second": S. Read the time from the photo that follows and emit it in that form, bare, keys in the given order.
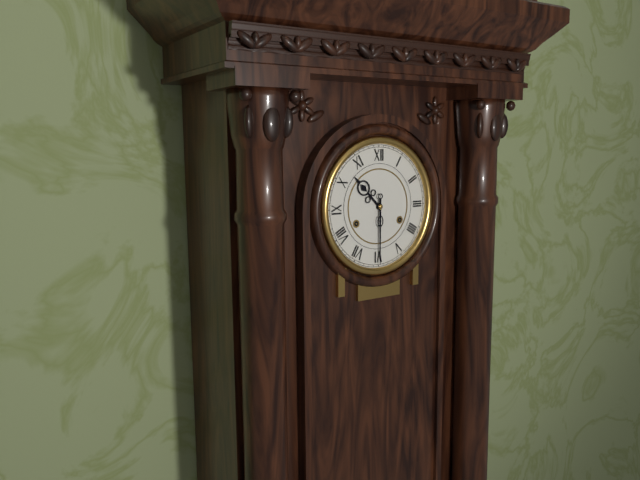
{"hour": 10, "minute": 30}
